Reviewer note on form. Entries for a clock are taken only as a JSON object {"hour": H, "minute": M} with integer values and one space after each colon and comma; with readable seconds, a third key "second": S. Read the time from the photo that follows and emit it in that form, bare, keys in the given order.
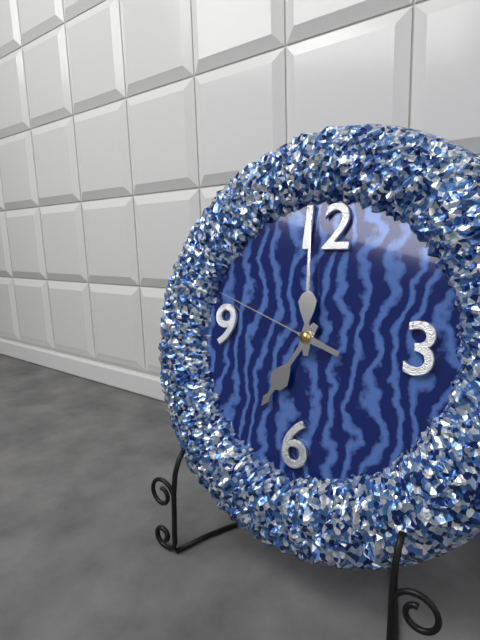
{"hour": 6, "minute": 59, "second": 48}
